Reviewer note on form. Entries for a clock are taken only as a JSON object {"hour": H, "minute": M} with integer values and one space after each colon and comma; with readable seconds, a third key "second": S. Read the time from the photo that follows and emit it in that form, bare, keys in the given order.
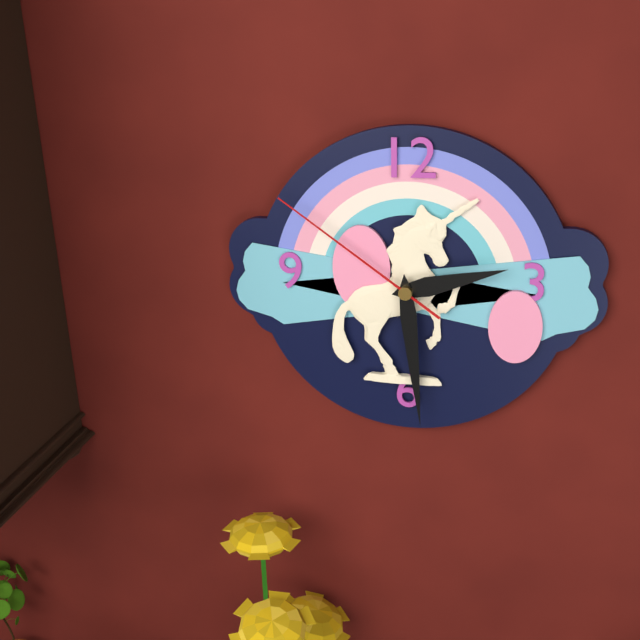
{"hour": 2, "minute": 29, "second": 51}
